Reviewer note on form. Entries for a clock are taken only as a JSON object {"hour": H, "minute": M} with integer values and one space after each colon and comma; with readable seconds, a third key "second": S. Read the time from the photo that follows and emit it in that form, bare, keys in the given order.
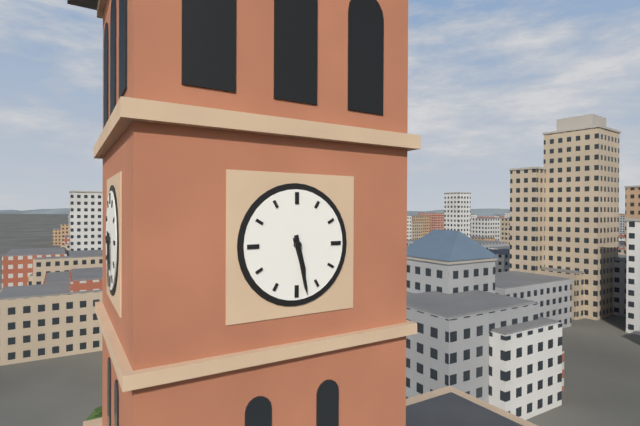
{"hour": 5, "minute": 28}
